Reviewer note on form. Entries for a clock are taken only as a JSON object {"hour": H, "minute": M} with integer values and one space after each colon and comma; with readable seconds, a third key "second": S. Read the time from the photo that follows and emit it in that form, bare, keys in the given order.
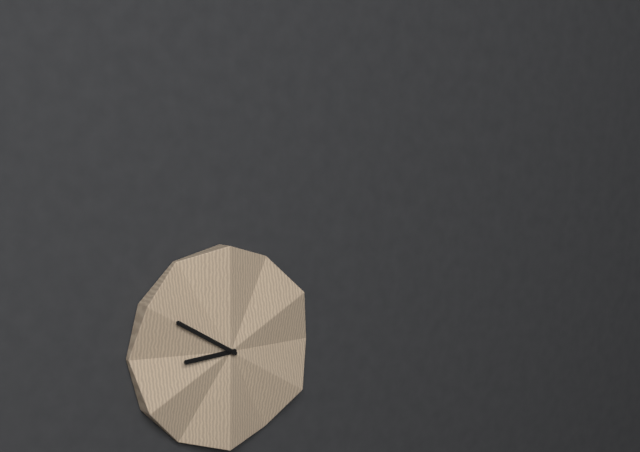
{"hour": 8, "minute": 50}
